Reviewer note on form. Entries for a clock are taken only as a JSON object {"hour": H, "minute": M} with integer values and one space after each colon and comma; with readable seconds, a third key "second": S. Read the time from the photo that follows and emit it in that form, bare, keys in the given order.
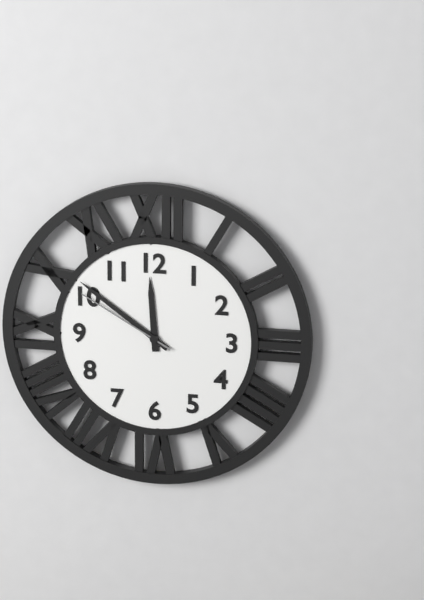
{"hour": 11, "minute": 51, "second": 50}
